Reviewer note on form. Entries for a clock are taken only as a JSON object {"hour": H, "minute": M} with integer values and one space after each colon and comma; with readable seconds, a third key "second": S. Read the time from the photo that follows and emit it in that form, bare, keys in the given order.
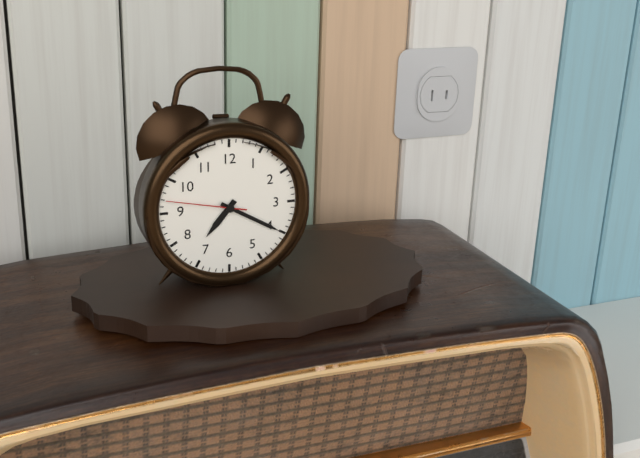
{"hour": 7, "minute": 20, "second": 47}
